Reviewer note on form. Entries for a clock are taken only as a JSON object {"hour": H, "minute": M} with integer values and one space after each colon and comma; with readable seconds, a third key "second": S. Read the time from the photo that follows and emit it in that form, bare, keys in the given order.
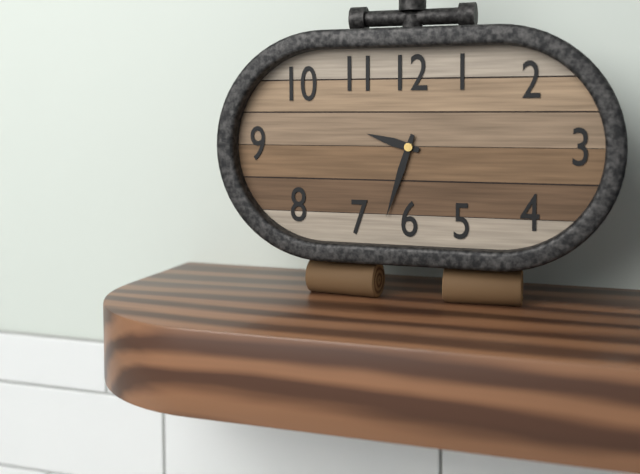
{"hour": 9, "minute": 33}
